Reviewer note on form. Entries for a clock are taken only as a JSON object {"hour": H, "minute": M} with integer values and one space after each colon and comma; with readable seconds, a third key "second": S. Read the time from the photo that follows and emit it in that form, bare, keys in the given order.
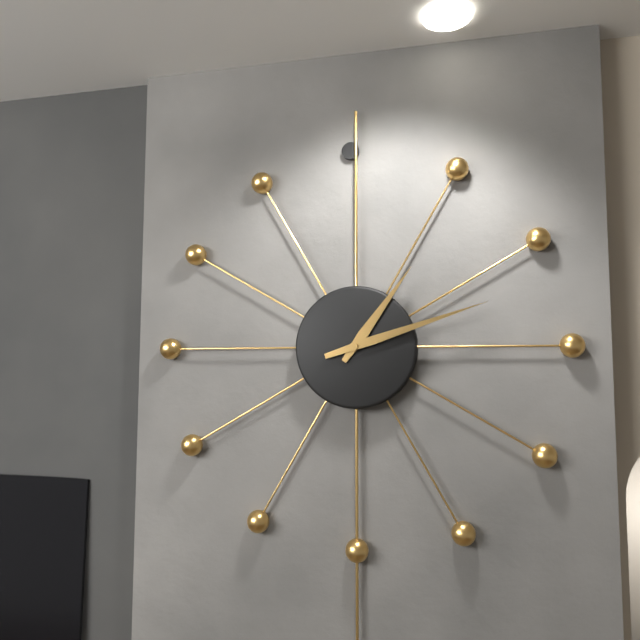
{"hour": 1, "minute": 12}
